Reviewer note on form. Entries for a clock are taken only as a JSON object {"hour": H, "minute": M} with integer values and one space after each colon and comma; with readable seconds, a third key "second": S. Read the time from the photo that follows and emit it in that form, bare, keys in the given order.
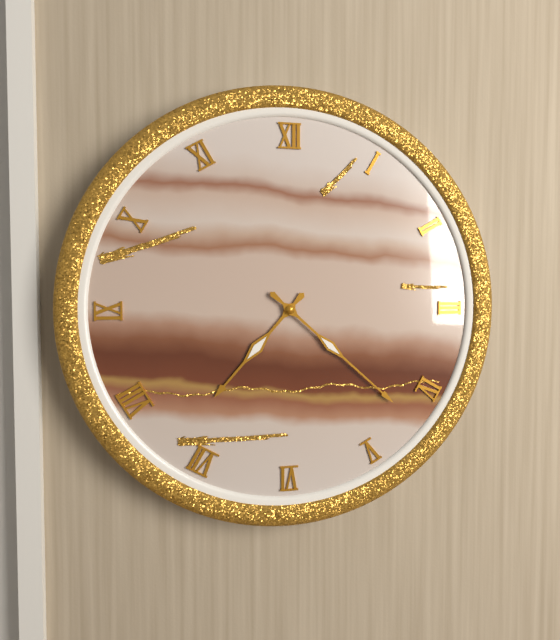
{"hour": 7, "minute": 22}
